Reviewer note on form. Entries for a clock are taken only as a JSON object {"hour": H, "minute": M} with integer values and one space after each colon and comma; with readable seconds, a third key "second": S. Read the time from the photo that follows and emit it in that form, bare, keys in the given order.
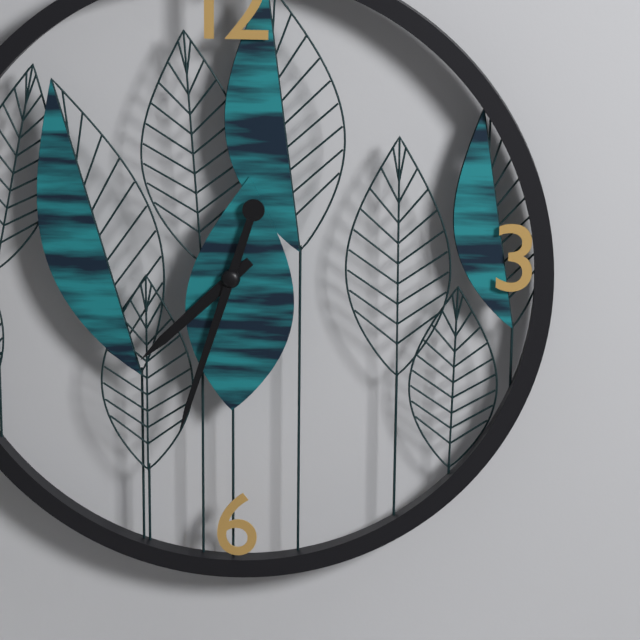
{"hour": 7, "minute": 33}
